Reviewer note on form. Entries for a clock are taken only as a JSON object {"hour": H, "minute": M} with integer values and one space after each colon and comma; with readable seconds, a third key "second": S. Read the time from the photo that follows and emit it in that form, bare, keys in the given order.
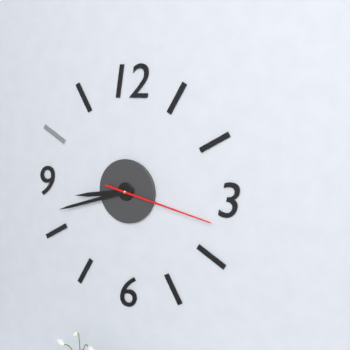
{"hour": 8, "minute": 42, "second": 17}
